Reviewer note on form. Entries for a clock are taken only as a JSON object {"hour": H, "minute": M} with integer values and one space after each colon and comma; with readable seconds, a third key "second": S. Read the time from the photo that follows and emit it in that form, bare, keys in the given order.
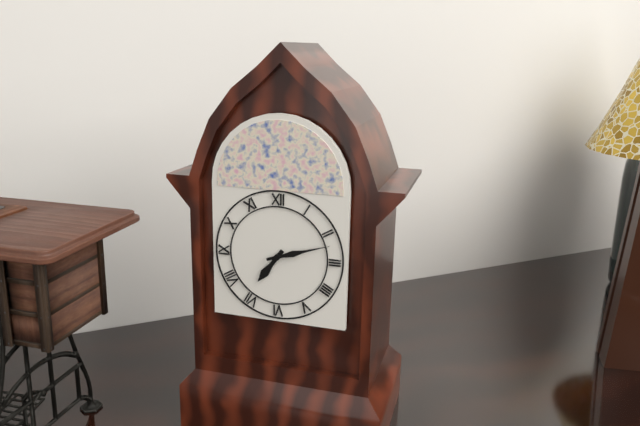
{"hour": 7, "minute": 12}
